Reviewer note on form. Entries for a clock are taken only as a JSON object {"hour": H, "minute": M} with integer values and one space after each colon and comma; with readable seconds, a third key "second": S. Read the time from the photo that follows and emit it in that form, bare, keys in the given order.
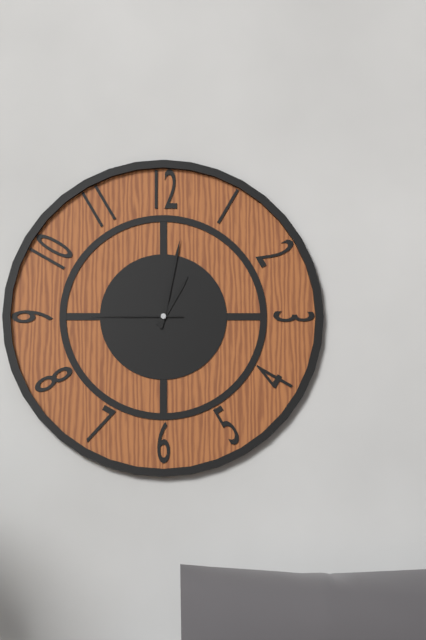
{"hour": 1, "minute": 2, "second": 45}
